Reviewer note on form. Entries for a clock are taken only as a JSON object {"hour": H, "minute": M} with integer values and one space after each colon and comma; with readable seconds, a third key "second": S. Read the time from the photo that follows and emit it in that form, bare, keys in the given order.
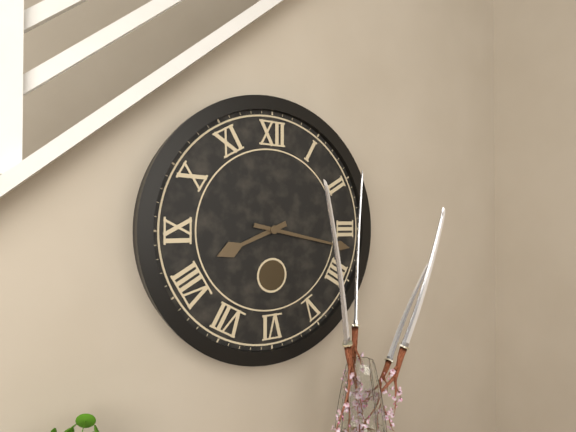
{"hour": 8, "minute": 17}
